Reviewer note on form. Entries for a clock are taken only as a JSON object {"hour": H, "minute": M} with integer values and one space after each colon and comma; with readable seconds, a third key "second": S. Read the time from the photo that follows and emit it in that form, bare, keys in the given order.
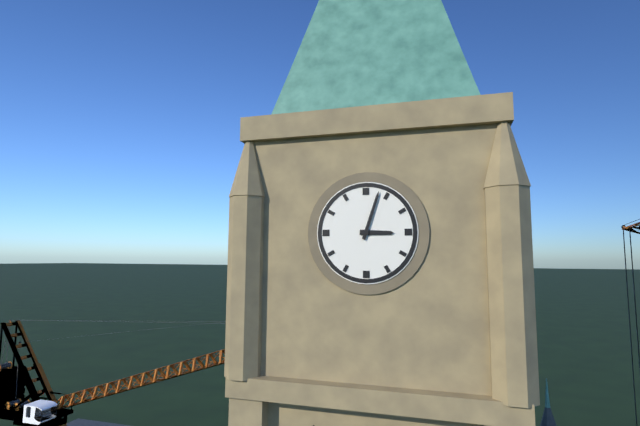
{"hour": 3, "minute": 3}
